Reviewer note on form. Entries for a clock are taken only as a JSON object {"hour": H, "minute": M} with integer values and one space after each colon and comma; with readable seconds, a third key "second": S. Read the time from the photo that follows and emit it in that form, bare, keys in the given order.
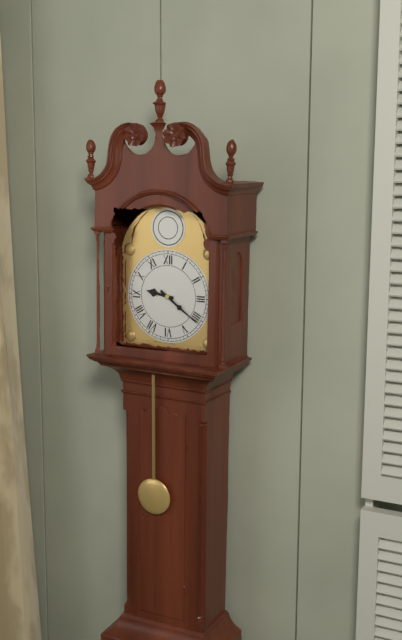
{"hour": 9, "minute": 21}
